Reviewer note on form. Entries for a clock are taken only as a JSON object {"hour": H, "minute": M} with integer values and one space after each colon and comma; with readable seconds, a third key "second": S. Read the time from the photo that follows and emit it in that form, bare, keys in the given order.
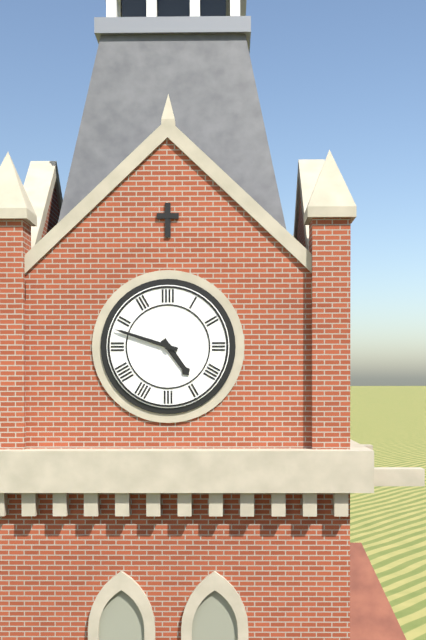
{"hour": 4, "minute": 48}
